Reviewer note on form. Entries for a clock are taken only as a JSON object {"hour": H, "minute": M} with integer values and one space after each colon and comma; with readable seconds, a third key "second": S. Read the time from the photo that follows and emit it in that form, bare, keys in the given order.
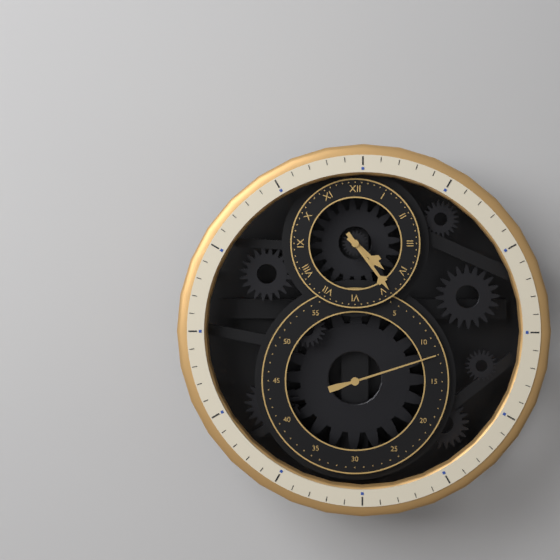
{"hour": 4, "minute": 24, "second": 12}
